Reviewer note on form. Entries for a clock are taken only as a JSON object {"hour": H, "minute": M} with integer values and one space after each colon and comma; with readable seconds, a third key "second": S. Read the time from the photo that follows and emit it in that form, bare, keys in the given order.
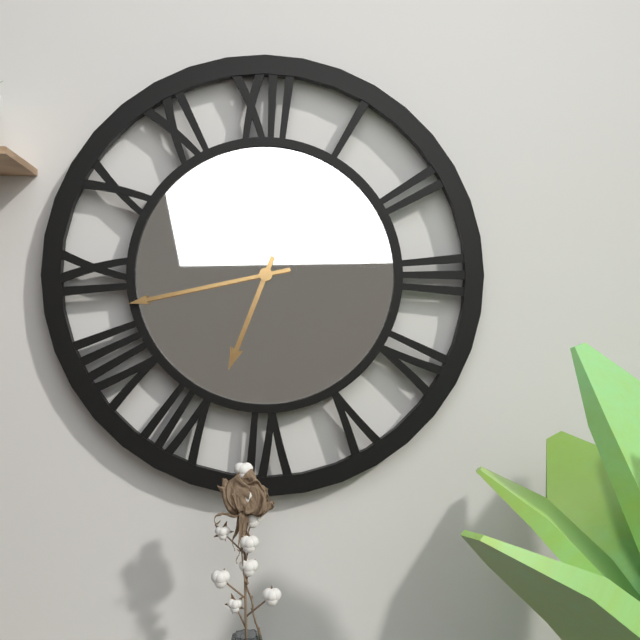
{"hour": 6, "minute": 43}
